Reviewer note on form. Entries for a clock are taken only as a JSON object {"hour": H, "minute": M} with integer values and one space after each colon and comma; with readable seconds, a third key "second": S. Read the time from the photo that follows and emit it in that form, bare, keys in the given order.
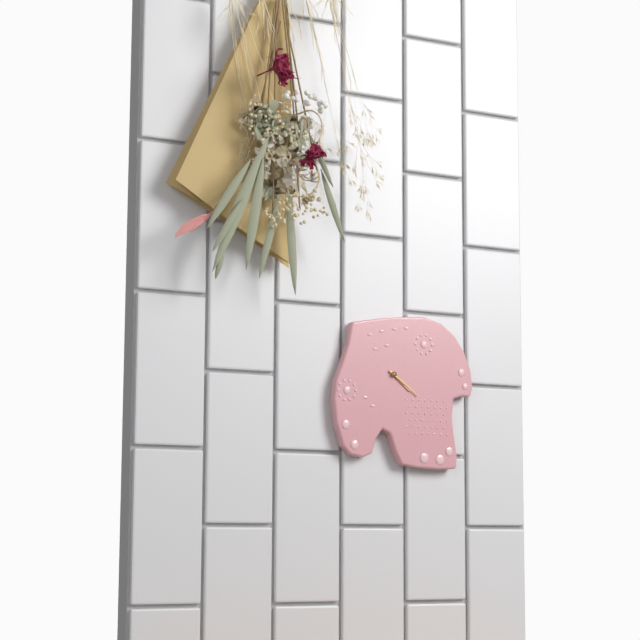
{"hour": 4, "minute": 21}
